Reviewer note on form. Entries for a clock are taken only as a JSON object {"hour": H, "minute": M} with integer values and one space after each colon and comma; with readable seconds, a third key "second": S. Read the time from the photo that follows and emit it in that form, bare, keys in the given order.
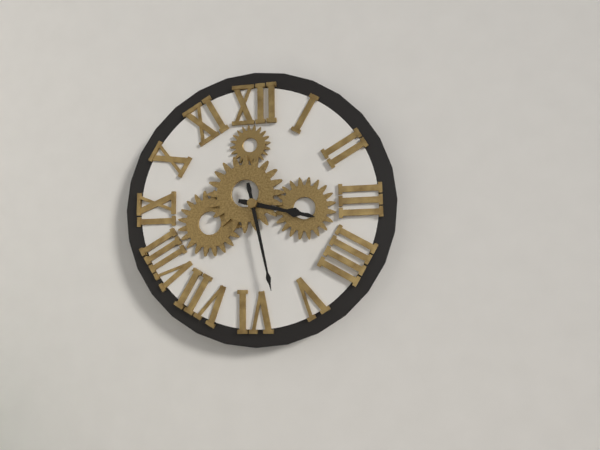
{"hour": 3, "minute": 28}
